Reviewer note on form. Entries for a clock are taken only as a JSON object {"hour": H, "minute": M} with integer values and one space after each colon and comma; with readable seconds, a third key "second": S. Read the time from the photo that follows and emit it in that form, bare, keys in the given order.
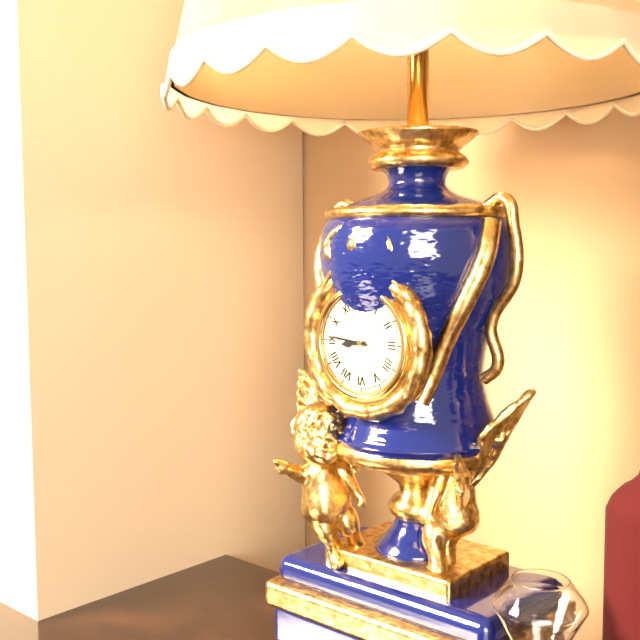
{"hour": 8, "minute": 46}
